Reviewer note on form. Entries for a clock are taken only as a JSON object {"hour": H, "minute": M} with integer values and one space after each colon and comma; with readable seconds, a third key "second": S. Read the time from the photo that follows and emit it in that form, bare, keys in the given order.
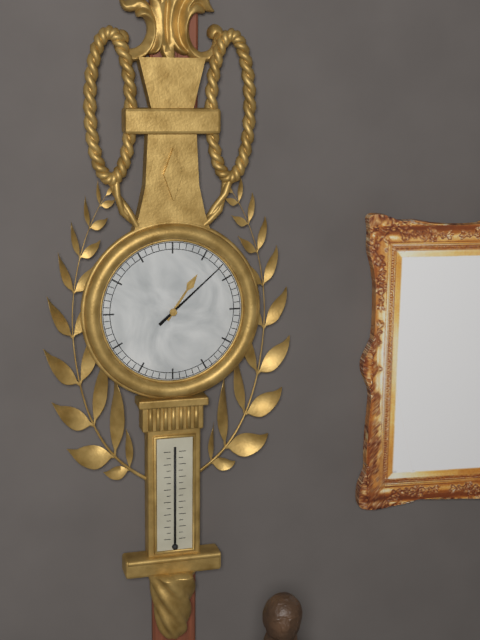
{"hour": 1, "minute": 8}
